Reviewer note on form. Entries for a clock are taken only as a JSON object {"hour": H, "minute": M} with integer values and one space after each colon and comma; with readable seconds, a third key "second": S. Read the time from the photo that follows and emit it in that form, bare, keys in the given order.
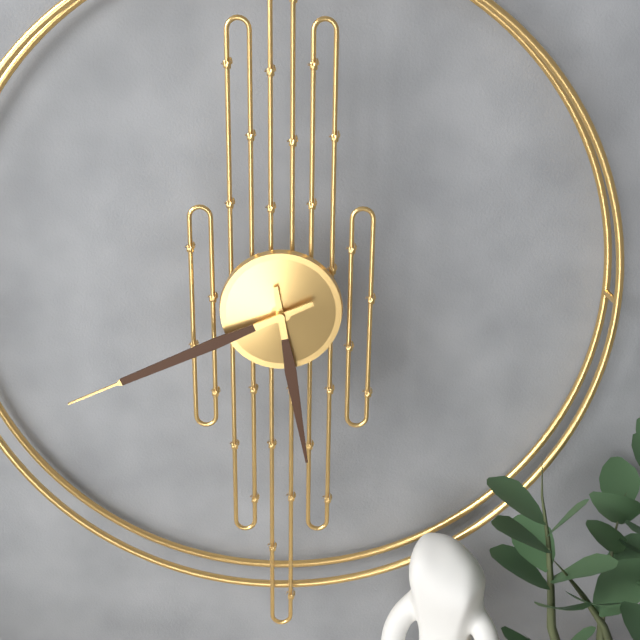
{"hour": 5, "minute": 41}
